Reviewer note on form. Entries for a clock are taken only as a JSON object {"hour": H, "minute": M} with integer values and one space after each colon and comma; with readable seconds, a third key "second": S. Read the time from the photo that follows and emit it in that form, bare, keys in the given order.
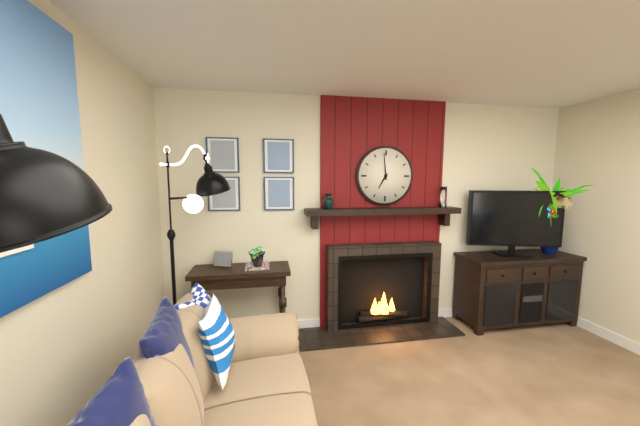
{"hour": 6, "minute": 59}
